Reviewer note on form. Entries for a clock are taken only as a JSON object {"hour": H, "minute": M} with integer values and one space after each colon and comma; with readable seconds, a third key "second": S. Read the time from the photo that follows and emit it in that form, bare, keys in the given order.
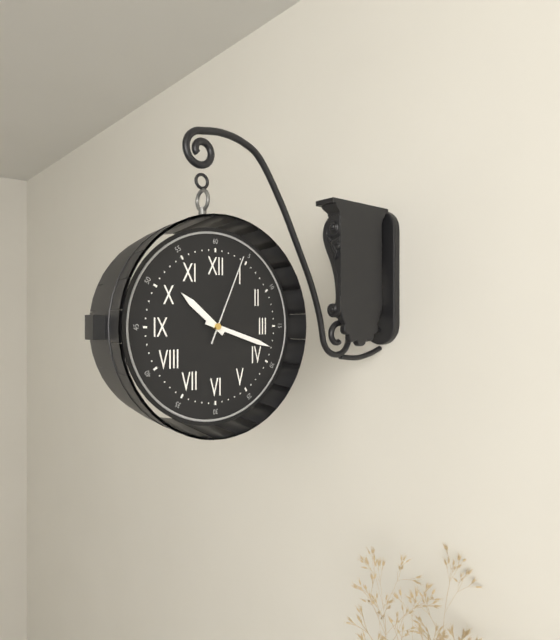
{"hour": 10, "minute": 18, "second": 4}
